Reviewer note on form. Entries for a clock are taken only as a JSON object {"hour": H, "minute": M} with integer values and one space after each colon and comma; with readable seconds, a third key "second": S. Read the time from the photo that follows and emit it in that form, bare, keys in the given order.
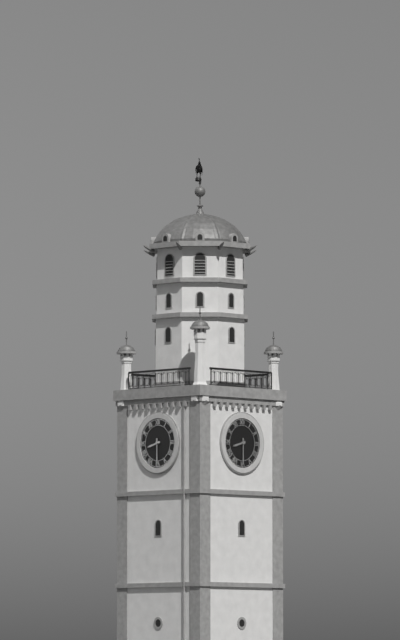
{"hour": 8, "minute": 30}
